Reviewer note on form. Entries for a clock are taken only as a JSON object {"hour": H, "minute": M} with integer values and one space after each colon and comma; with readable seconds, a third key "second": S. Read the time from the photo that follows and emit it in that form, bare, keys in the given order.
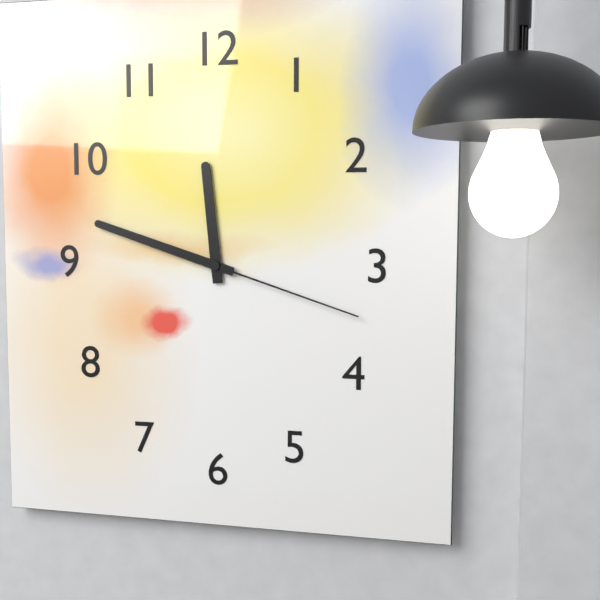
{"hour": 11, "minute": 48, "second": 18}
